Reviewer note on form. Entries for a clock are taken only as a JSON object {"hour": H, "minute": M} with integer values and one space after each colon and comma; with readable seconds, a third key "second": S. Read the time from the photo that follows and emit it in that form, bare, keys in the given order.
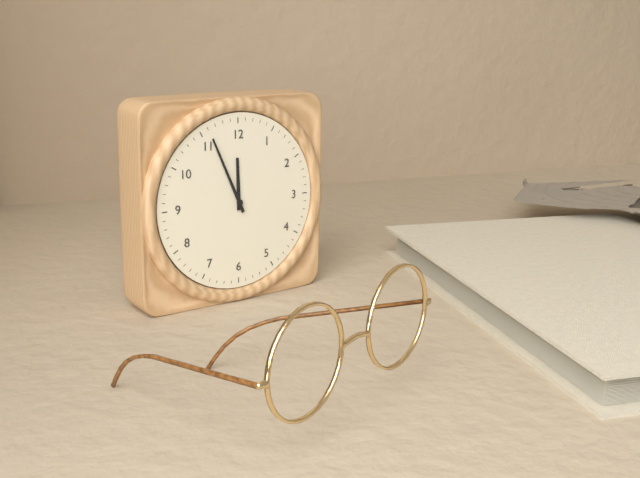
{"hour": 11, "minute": 56}
